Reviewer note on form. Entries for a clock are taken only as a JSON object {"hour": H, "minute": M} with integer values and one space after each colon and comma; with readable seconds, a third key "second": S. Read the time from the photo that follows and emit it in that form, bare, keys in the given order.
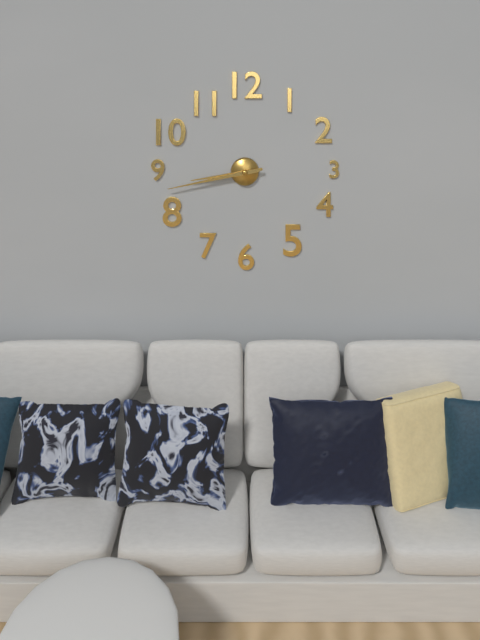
{"hour": 8, "minute": 43}
